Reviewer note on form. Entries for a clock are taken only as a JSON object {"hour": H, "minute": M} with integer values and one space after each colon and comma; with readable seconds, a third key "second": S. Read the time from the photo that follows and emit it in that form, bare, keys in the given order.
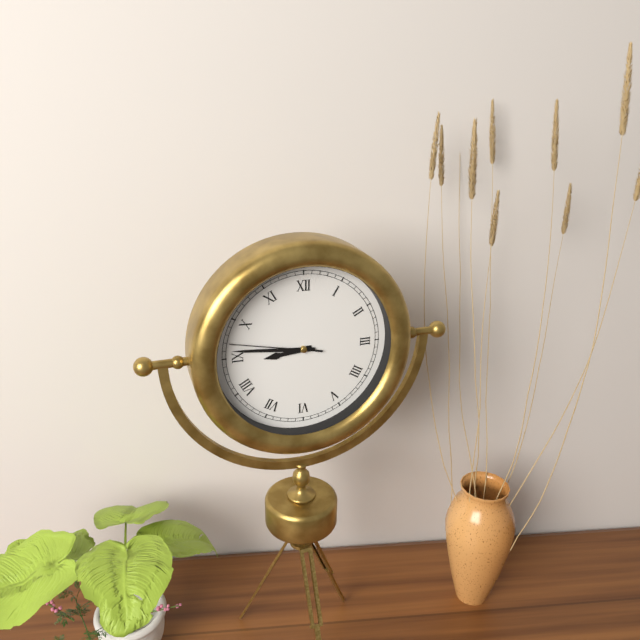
{"hour": 8, "minute": 46, "second": 47}
